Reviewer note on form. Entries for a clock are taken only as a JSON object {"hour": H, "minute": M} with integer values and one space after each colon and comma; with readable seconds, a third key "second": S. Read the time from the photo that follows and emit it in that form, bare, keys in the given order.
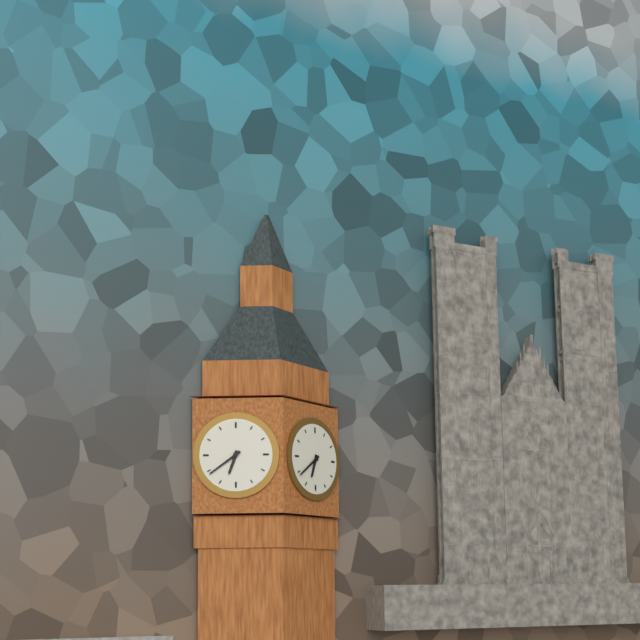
{"hour": 6, "minute": 39}
